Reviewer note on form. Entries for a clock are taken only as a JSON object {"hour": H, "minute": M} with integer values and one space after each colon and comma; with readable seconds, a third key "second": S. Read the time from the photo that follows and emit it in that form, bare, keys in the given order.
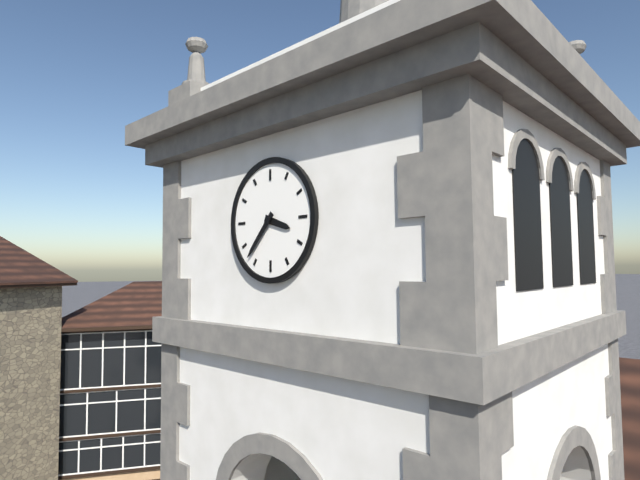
{"hour": 3, "minute": 37}
